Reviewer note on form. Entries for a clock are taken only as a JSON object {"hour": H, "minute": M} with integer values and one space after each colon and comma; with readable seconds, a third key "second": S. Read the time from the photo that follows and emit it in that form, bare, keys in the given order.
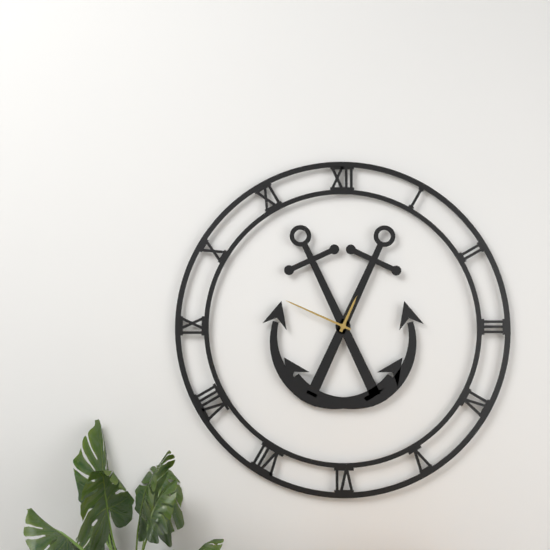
{"hour": 12, "minute": 49}
